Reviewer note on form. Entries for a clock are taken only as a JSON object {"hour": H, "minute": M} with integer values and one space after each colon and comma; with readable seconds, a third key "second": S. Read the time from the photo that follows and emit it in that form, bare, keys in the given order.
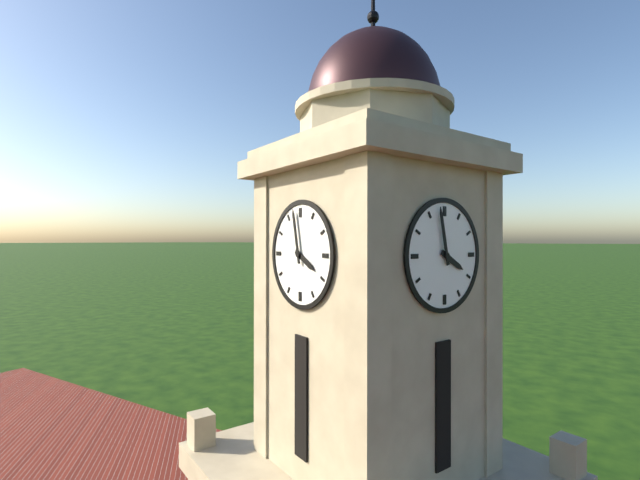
{"hour": 3, "minute": 58}
